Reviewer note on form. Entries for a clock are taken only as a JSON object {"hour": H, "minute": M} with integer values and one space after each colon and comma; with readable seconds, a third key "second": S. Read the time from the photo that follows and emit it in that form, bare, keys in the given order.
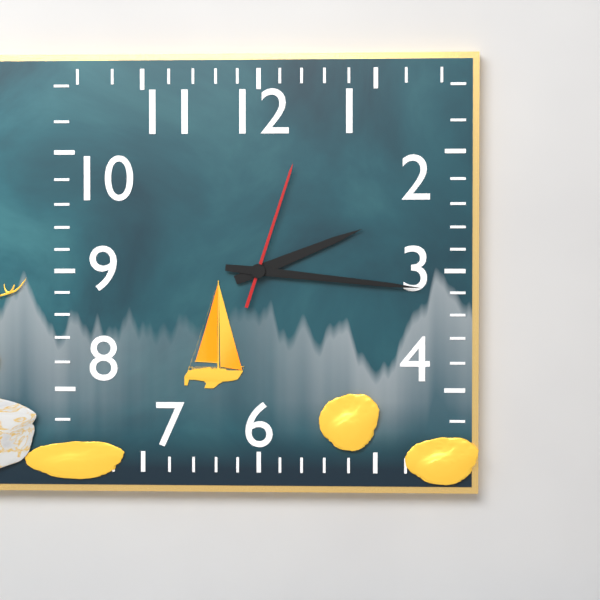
{"hour": 2, "minute": 16, "second": 3}
